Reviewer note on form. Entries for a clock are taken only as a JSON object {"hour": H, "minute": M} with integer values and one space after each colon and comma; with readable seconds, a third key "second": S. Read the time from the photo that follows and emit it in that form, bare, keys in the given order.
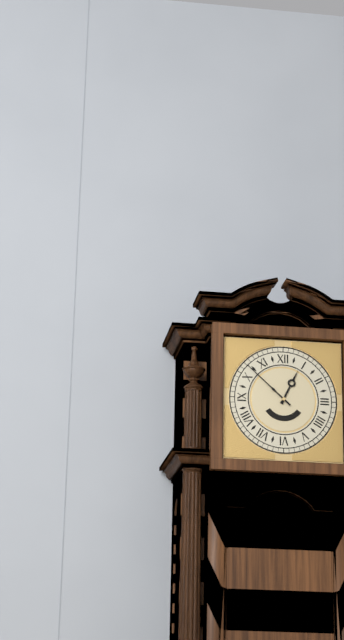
{"hour": 12, "minute": 52}
